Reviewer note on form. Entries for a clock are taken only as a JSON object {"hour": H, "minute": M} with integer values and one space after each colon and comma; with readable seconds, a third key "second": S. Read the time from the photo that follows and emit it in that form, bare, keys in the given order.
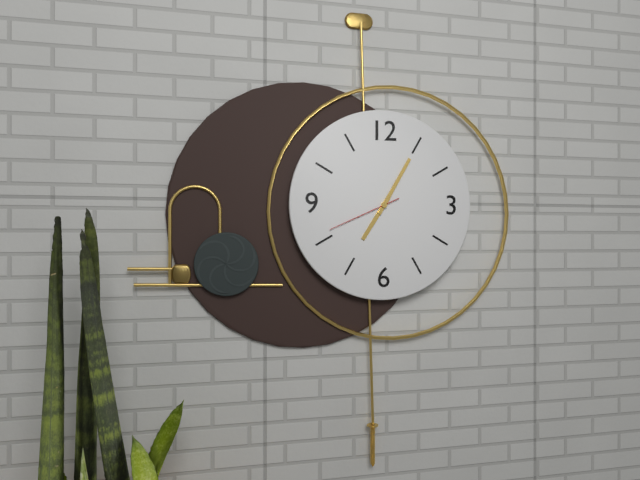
{"hour": 7, "minute": 5, "second": 41}
